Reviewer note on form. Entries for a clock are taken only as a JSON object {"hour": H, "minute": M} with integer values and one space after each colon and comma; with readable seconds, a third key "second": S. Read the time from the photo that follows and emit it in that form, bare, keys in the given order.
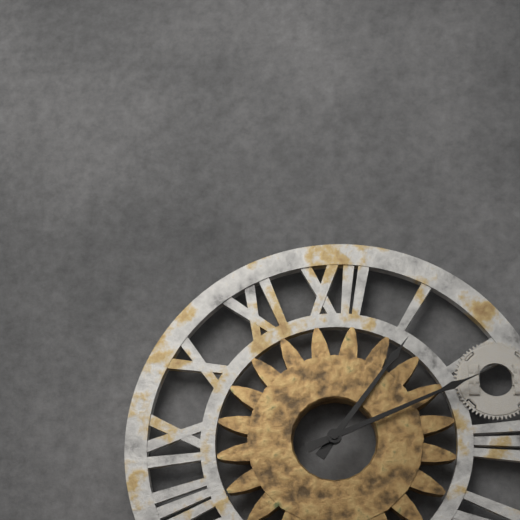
{"hour": 1, "minute": 11}
